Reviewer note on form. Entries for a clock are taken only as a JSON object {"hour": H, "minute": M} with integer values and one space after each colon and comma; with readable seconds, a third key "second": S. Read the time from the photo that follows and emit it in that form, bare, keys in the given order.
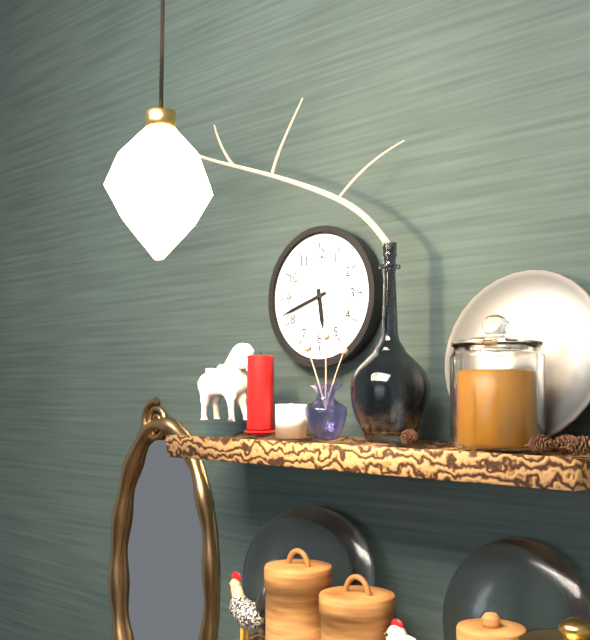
{"hour": 5, "minute": 42}
